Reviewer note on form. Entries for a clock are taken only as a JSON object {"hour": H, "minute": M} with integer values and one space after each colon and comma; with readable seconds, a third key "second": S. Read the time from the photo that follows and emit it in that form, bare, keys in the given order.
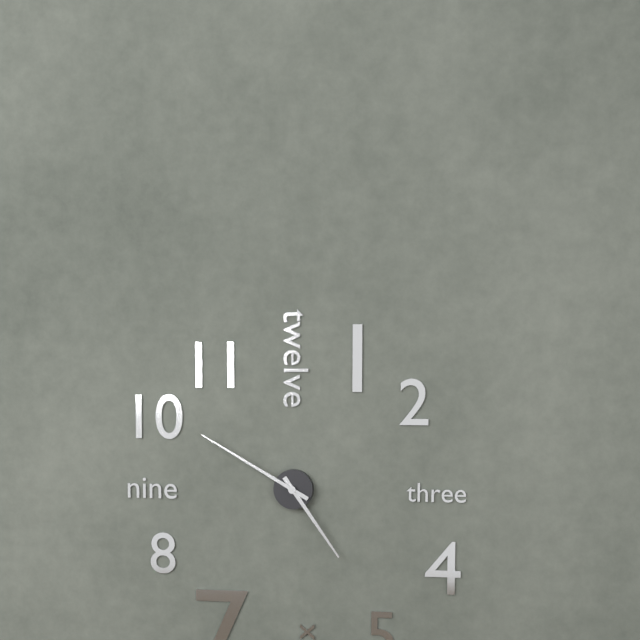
{"hour": 4, "minute": 50}
